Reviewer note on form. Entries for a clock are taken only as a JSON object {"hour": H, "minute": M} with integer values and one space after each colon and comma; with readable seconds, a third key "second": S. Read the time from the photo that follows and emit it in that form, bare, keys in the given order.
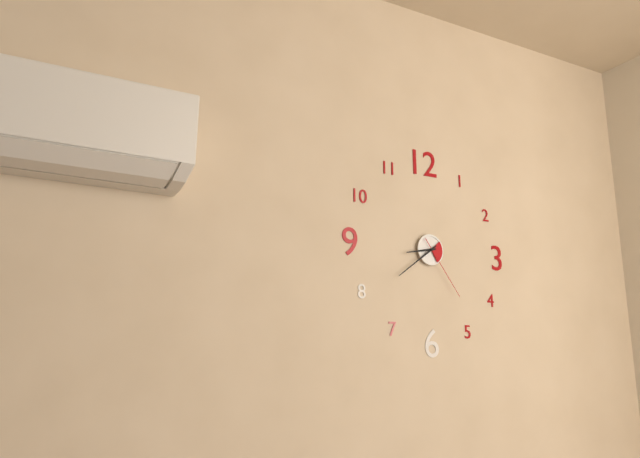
{"hour": 8, "minute": 39, "second": 24}
